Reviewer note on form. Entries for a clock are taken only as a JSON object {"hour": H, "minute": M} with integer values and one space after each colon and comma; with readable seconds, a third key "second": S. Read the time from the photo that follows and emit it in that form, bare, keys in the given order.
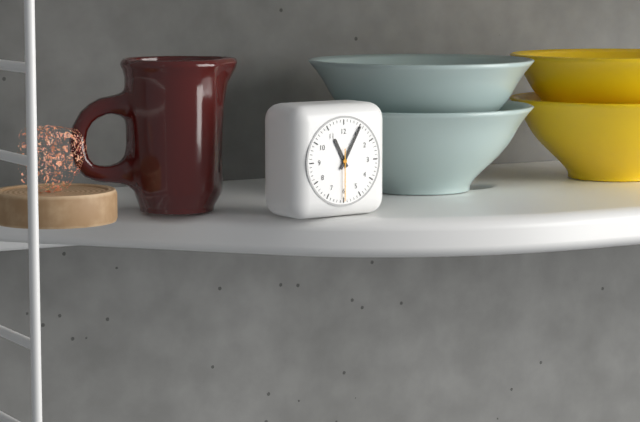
{"hour": 11, "minute": 5, "second": 30}
